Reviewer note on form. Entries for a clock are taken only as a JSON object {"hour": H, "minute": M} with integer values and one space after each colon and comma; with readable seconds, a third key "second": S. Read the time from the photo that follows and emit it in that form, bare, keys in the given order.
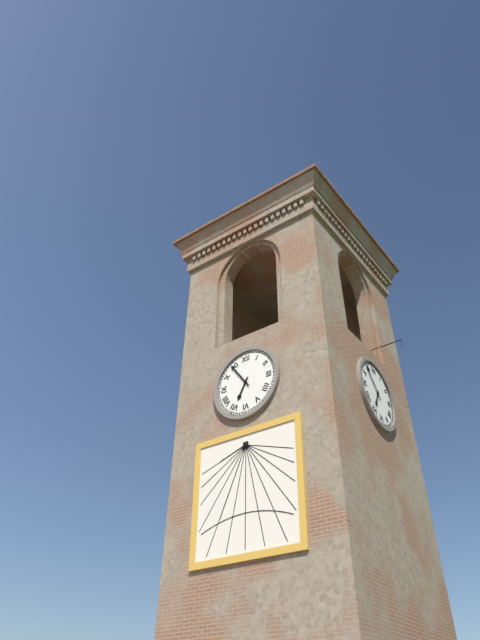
{"hour": 6, "minute": 54}
